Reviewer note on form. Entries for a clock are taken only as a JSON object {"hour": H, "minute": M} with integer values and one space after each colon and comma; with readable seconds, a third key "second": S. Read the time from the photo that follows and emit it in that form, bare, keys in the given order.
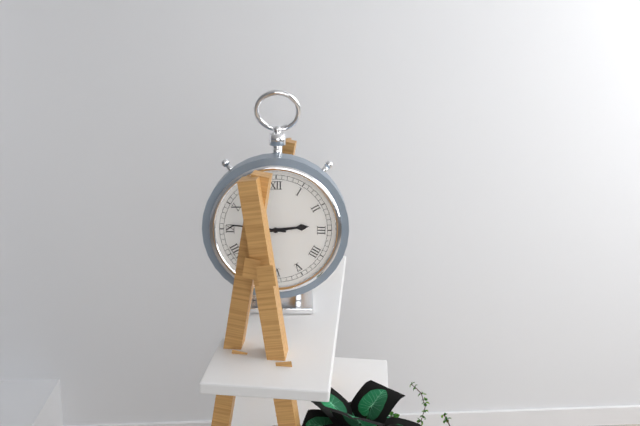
{"hour": 2, "minute": 46}
